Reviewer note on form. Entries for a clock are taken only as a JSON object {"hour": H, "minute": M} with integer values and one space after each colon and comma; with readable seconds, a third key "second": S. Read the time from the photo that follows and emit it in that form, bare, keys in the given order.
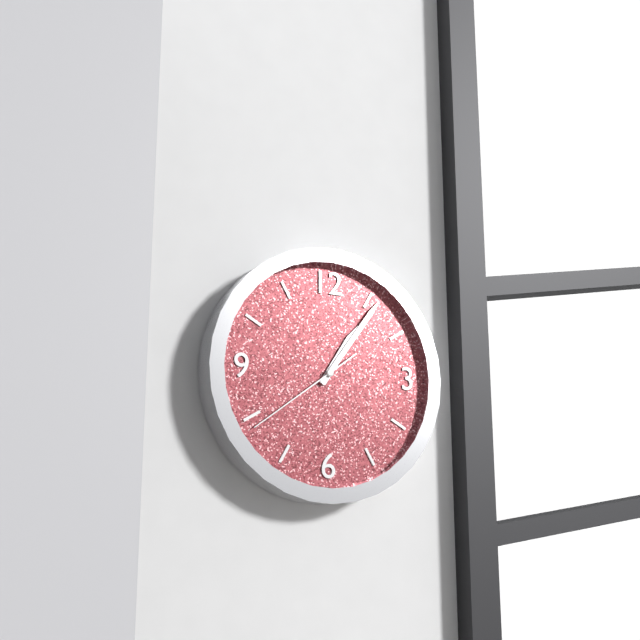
{"hour": 1, "minute": 6, "second": 39}
